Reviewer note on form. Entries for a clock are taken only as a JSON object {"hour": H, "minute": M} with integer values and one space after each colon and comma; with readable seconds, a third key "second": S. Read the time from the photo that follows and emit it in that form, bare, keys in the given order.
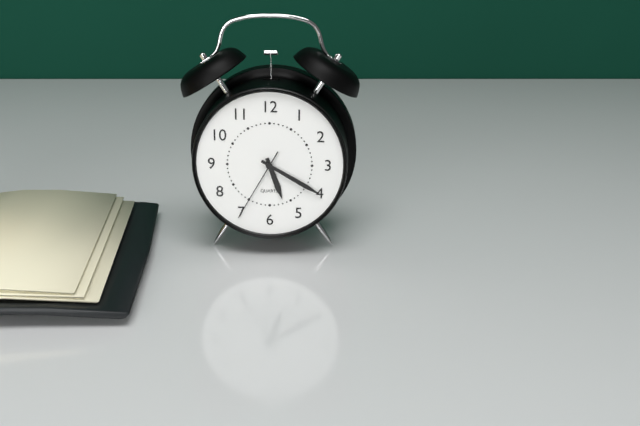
{"hour": 5, "minute": 20, "second": 35}
